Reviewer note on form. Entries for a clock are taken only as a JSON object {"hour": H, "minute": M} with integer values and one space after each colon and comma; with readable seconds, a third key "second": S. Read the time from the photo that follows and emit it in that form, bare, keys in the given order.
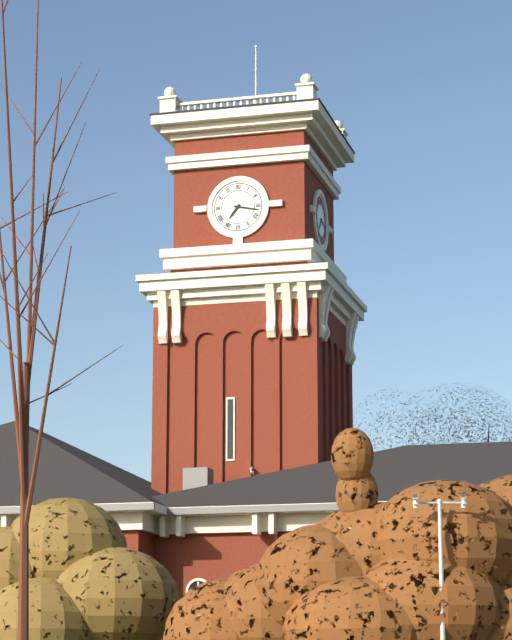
{"hour": 7, "minute": 17}
